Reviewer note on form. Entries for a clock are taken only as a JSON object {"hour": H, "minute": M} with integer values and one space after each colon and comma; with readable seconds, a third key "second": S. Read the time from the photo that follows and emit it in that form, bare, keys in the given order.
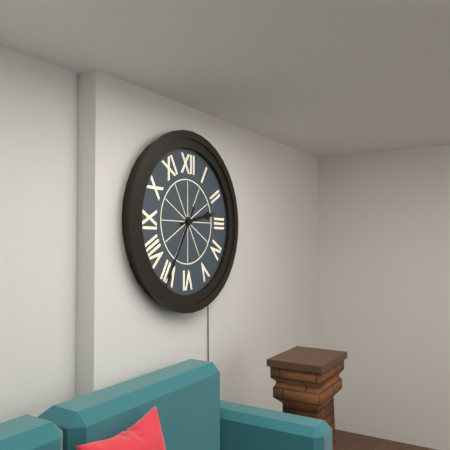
{"hour": 2, "minute": 35}
